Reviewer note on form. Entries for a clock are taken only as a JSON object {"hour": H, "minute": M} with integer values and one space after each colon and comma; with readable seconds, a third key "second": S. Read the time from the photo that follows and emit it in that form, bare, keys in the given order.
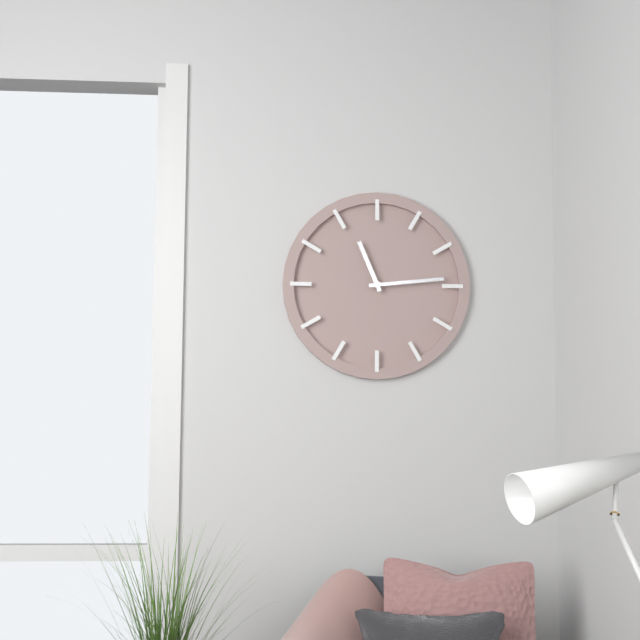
{"hour": 11, "minute": 14}
